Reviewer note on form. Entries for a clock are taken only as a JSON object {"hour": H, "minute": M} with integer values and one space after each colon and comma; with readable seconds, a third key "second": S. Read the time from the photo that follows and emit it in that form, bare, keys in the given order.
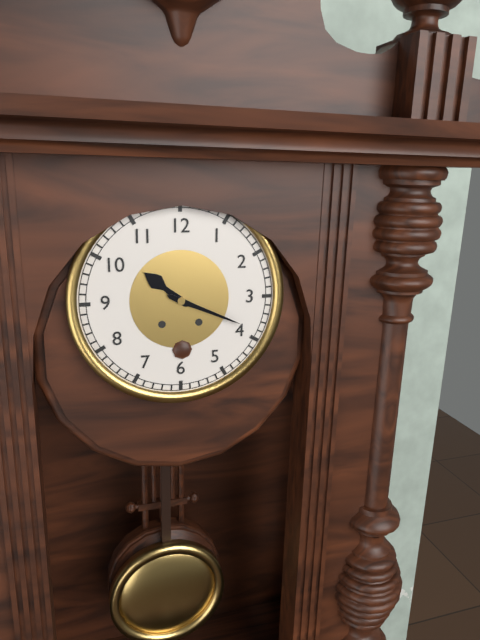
{"hour": 10, "minute": 19}
